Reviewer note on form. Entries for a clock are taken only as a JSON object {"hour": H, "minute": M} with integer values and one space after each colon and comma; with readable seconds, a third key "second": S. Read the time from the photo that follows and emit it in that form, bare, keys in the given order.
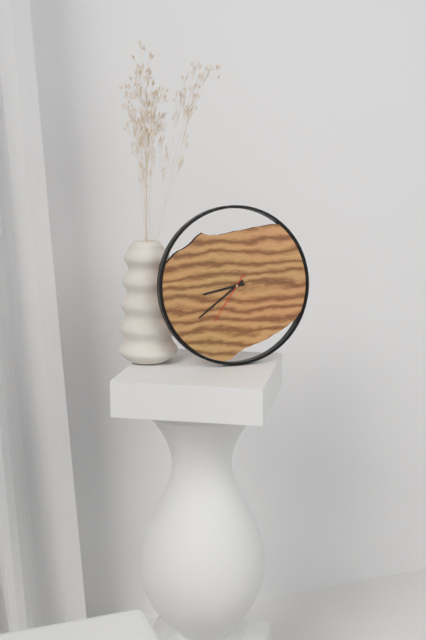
{"hour": 8, "minute": 39, "second": 36}
